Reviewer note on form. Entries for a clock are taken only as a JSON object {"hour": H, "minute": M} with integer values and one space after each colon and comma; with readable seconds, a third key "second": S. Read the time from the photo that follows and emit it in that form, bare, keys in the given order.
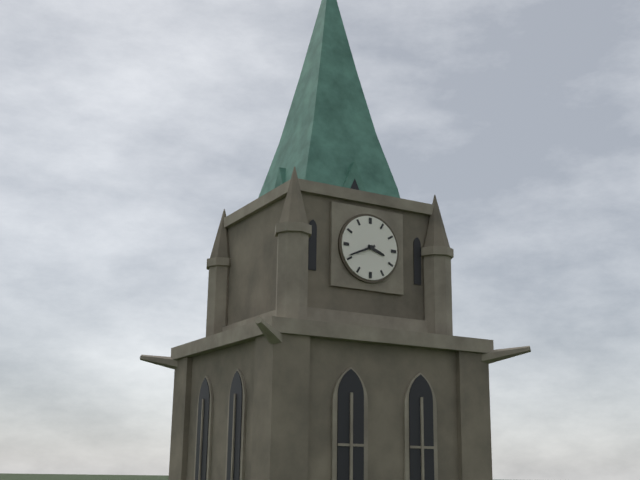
{"hour": 3, "minute": 41}
